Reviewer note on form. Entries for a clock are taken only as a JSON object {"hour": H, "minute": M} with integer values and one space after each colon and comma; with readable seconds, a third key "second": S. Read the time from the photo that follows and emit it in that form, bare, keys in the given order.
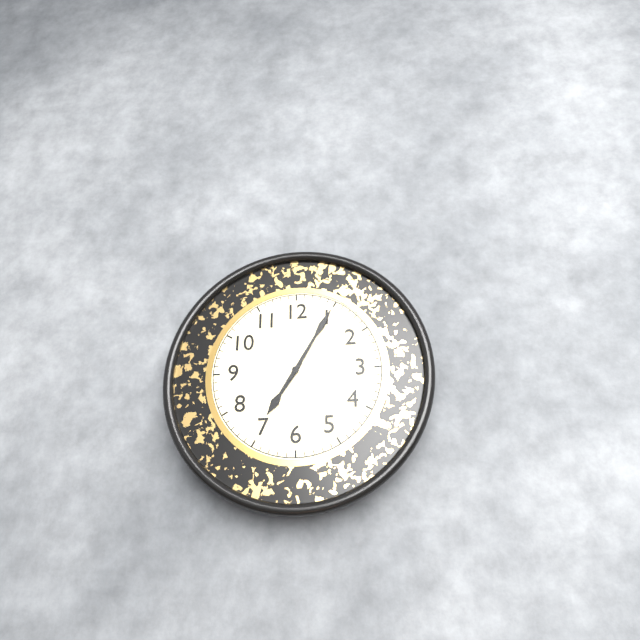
{"hour": 7, "minute": 5}
